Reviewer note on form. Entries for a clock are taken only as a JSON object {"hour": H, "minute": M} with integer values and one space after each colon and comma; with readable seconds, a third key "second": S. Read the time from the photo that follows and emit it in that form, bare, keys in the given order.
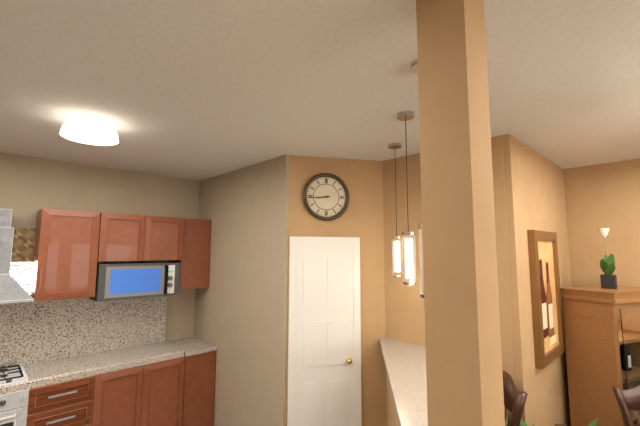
{"hour": 8, "minute": 44}
